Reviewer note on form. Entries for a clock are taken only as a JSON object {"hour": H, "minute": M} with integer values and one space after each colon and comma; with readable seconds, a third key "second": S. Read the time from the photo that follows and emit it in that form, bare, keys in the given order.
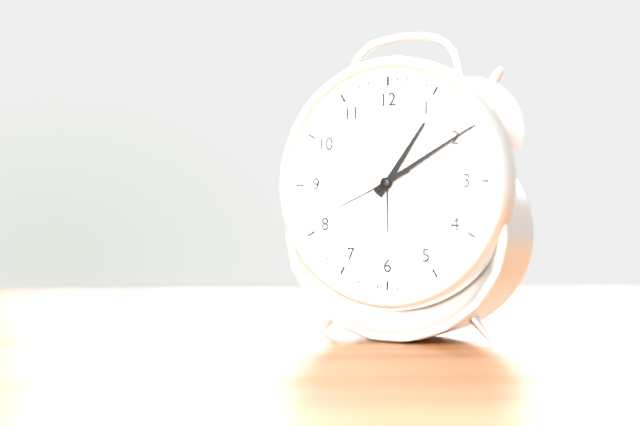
{"hour": 1, "minute": 10, "second": 41}
